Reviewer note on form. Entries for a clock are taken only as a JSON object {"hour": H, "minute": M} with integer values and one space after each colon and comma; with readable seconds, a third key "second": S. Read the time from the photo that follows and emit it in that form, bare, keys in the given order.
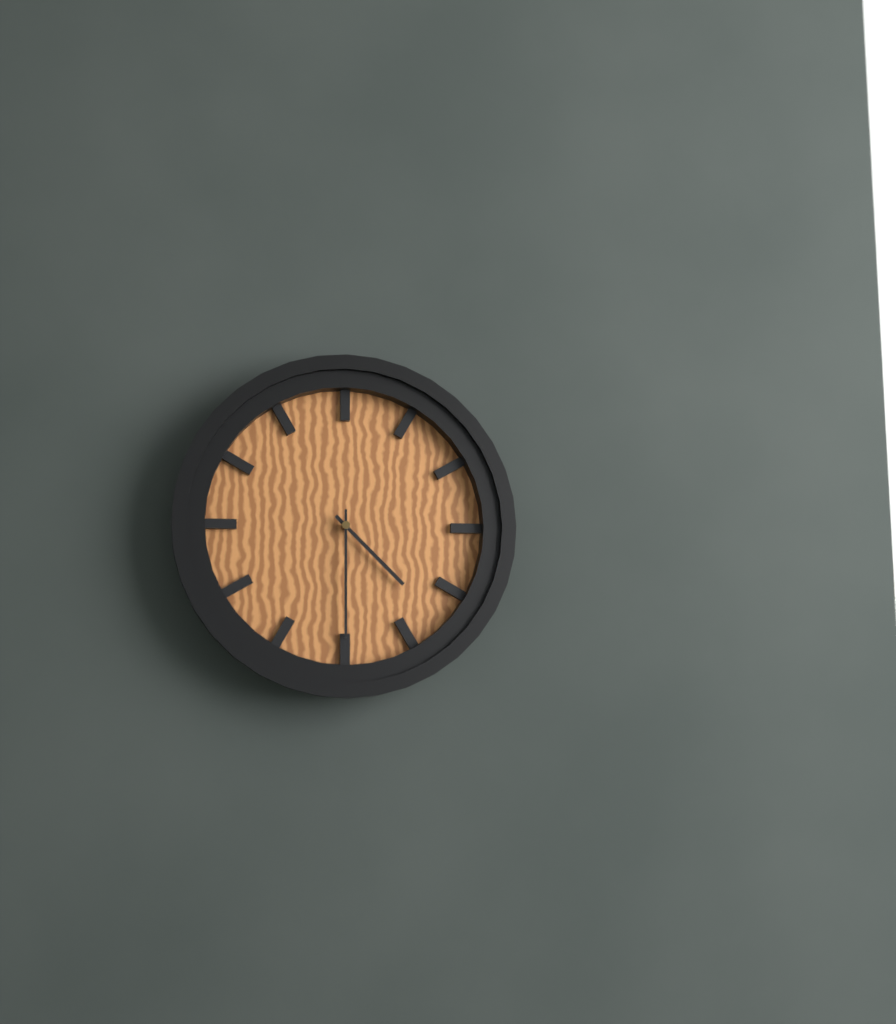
{"hour": 4, "minute": 30}
